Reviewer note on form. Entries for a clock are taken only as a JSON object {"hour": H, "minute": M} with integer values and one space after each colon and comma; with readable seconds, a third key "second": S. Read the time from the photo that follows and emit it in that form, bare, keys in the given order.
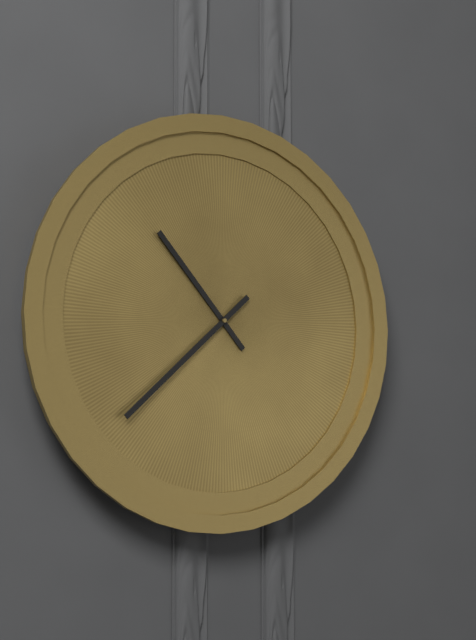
{"hour": 10, "minute": 38}
